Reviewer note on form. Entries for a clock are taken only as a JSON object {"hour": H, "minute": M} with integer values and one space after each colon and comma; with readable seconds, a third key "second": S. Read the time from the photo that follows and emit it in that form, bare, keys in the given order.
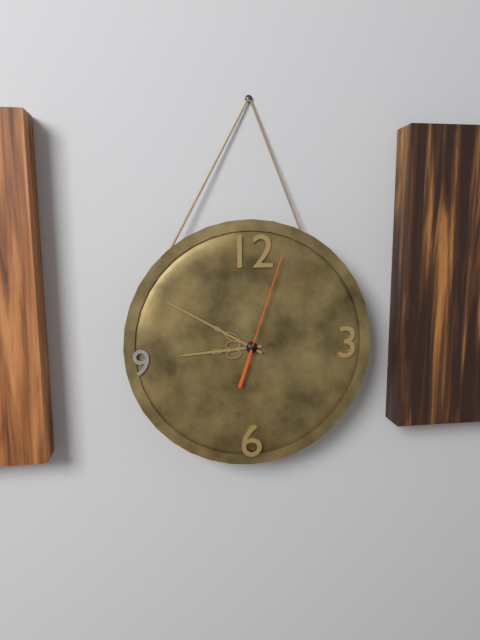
{"hour": 8, "minute": 50, "second": 3}
